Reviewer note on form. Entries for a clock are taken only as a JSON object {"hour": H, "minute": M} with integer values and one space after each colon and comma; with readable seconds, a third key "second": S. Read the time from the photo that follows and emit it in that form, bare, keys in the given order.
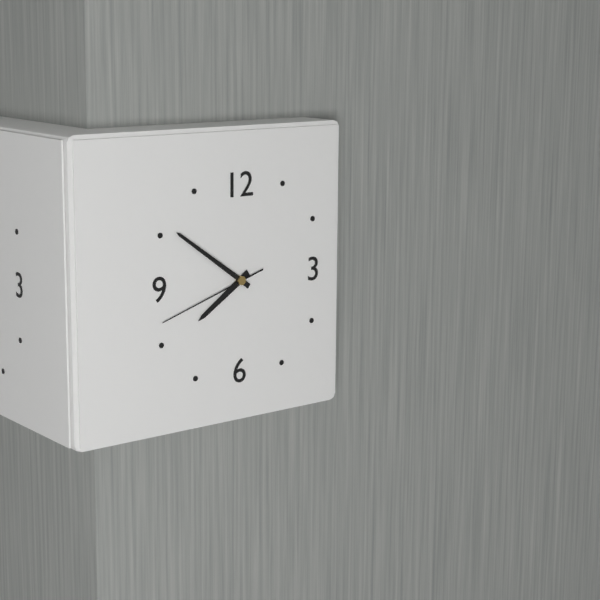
{"hour": 7, "minute": 51, "second": 42}
